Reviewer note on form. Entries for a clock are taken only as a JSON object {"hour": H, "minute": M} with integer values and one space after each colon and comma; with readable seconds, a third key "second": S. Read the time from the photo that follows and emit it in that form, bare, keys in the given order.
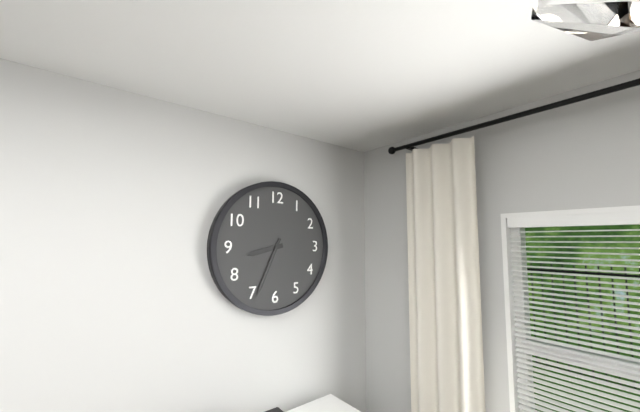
{"hour": 8, "minute": 34}
